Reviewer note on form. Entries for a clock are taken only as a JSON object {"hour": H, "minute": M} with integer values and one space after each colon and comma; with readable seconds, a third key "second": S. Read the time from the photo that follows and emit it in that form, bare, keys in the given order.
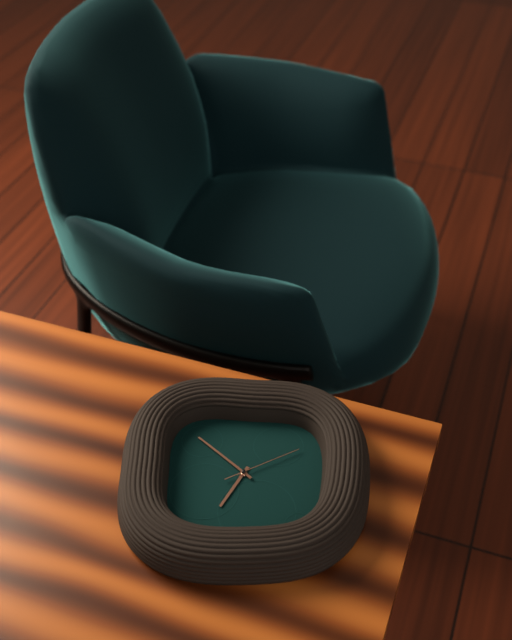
{"hour": 6, "minute": 52, "second": 10}
